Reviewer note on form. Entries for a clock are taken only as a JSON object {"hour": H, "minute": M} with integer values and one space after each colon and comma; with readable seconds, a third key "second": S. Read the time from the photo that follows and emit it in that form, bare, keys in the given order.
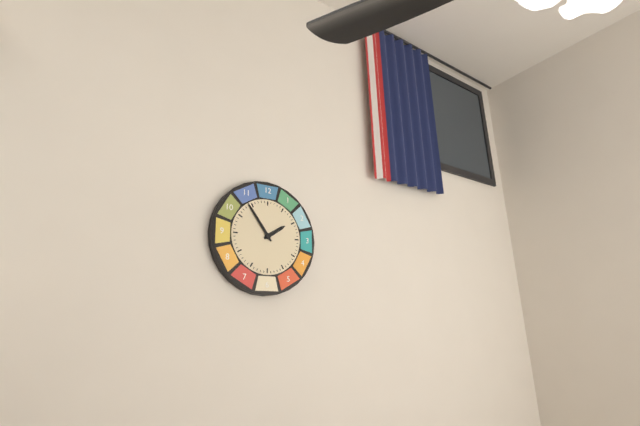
{"hour": 1, "minute": 54}
